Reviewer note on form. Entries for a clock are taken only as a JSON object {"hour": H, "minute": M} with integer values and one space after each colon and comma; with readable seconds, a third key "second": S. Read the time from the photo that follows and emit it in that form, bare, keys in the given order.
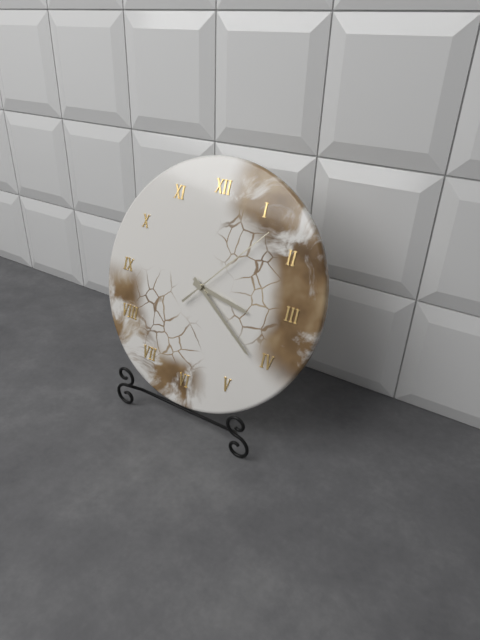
{"hour": 3, "minute": 21, "second": 7}
